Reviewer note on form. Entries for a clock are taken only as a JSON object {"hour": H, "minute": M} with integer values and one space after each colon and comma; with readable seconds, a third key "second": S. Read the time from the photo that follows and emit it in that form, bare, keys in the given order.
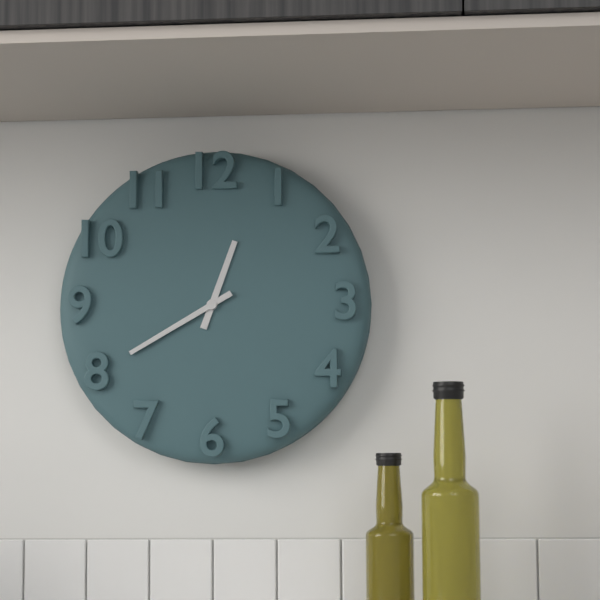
{"hour": 12, "minute": 40}
